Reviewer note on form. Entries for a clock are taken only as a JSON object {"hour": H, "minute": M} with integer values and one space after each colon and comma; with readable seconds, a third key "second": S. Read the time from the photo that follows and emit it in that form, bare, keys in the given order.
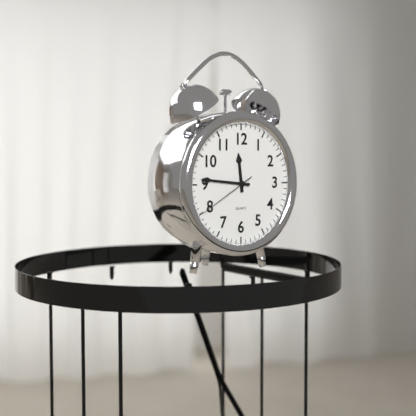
{"hour": 11, "minute": 46, "second": 40}
